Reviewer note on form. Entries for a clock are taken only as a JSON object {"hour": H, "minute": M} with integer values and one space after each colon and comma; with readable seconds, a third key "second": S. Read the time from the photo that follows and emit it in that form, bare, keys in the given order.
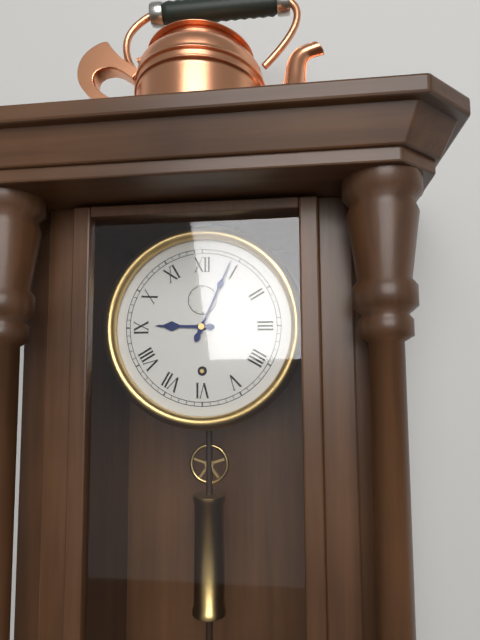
{"hour": 9, "minute": 4}
